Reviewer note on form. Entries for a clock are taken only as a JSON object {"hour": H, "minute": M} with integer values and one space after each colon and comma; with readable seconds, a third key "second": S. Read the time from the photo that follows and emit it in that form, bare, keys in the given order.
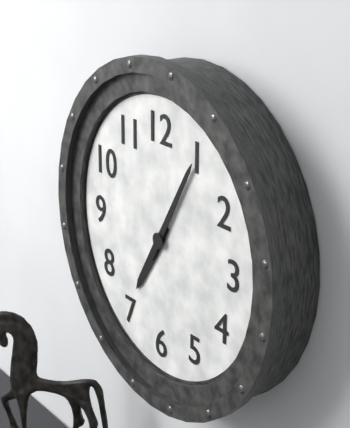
{"hour": 7, "minute": 5}
